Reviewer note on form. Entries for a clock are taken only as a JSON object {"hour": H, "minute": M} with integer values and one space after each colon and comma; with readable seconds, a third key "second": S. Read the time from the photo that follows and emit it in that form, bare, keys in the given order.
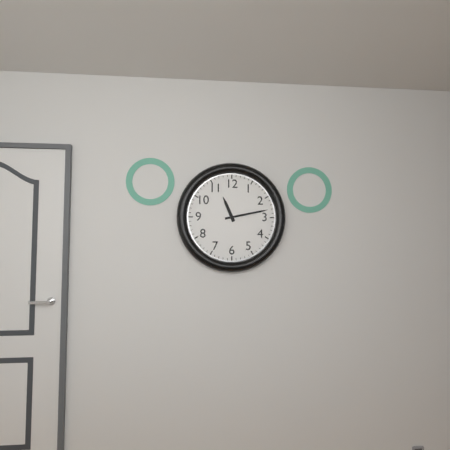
{"hour": 11, "minute": 13}
